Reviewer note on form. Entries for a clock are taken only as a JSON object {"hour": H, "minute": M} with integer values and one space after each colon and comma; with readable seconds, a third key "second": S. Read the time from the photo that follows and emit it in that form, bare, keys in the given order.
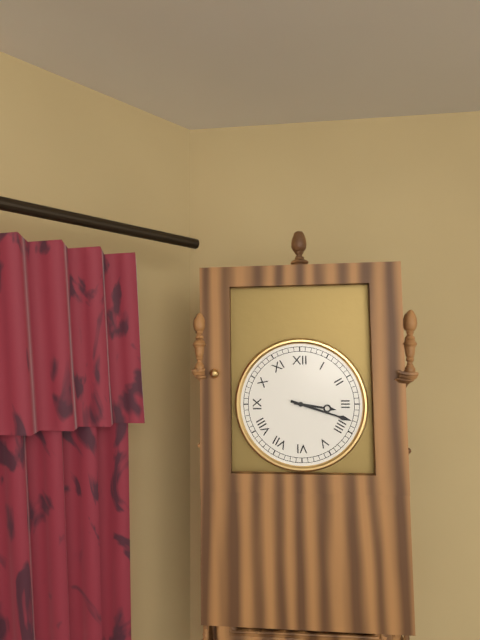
{"hour": 3, "minute": 18}
